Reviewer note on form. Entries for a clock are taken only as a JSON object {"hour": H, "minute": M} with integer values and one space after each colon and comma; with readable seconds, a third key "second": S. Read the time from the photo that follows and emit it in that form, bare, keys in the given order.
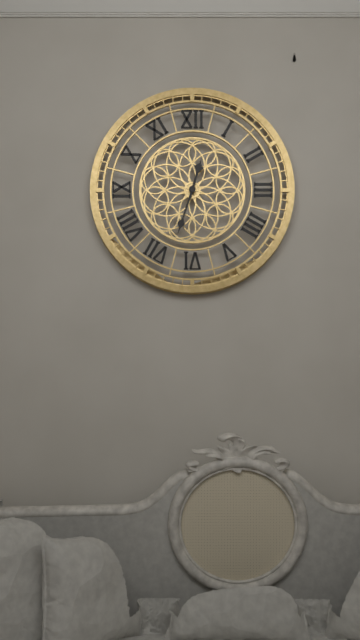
{"hour": 12, "minute": 33}
